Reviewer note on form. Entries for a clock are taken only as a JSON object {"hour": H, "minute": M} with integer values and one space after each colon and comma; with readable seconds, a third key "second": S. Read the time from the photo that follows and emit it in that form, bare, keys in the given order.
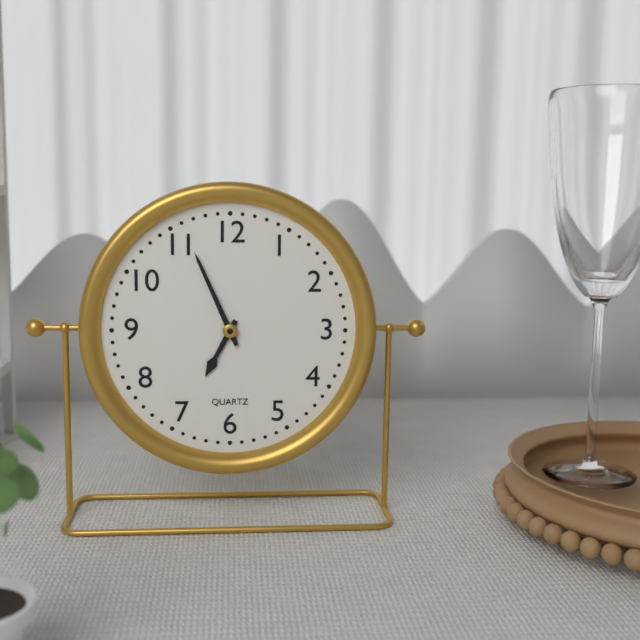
{"hour": 6, "minute": 56}
